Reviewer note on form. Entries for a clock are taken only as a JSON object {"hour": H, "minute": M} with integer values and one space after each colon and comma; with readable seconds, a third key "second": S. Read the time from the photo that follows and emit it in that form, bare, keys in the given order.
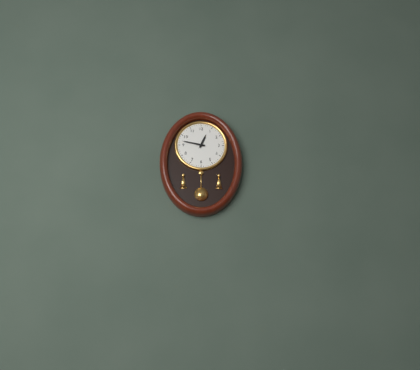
{"hour": 12, "minute": 47}
